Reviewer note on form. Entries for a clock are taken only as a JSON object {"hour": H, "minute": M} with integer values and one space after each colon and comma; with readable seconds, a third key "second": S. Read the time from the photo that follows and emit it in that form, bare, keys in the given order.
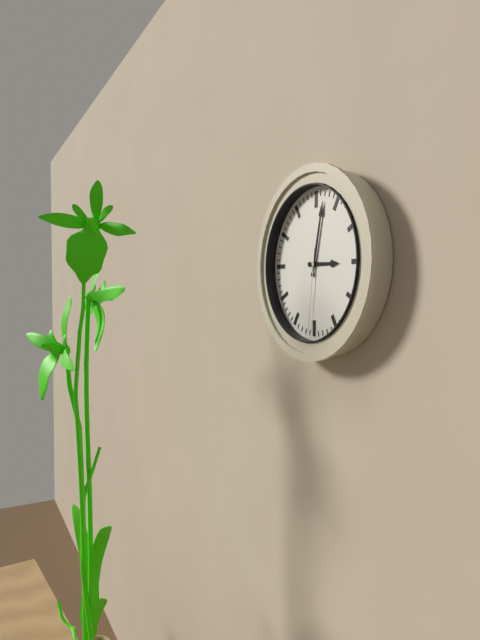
{"hour": 3, "minute": 2, "second": 31}
